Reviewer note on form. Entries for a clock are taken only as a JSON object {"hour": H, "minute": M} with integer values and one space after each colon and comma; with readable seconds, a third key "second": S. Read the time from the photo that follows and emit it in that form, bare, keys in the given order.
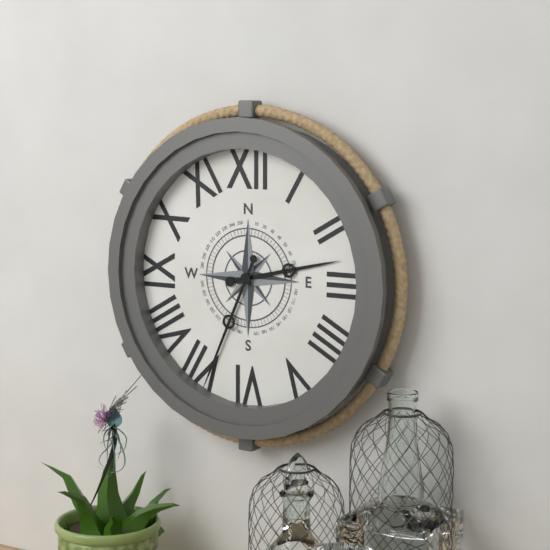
{"hour": 2, "minute": 34}
